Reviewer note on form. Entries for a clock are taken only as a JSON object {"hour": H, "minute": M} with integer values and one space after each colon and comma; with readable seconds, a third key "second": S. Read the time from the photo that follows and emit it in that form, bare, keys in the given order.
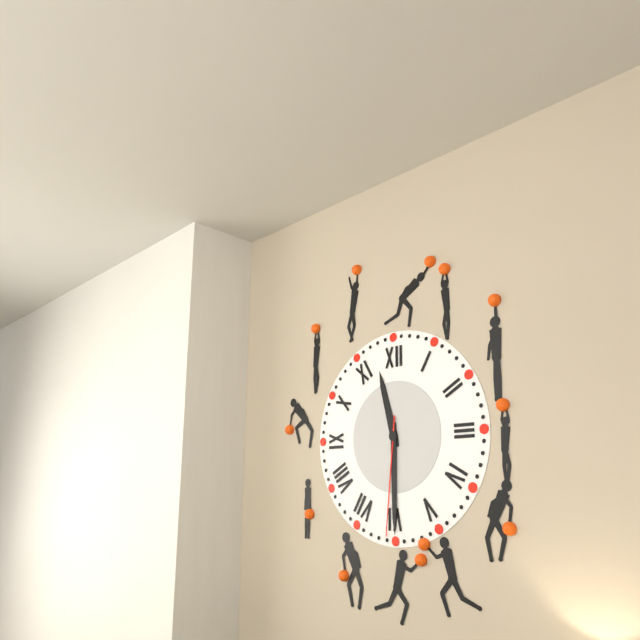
{"hour": 11, "minute": 30, "second": 31}
